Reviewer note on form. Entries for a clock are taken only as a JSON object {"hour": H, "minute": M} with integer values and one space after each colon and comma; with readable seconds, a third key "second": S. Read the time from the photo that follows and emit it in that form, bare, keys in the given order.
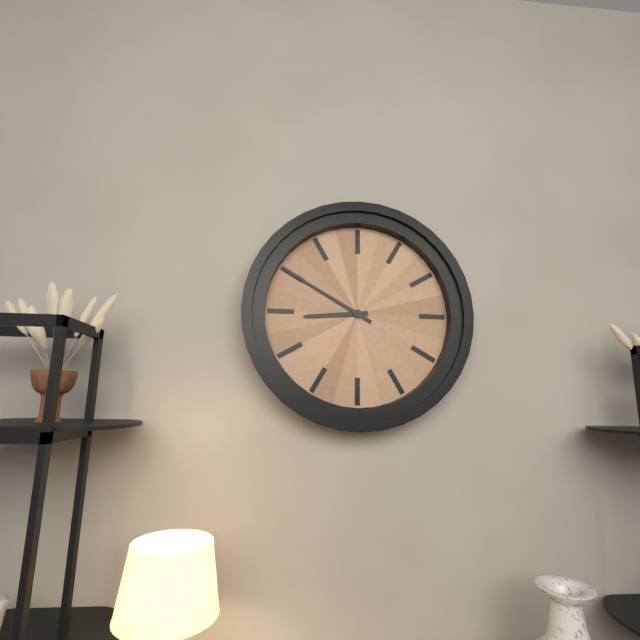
{"hour": 8, "minute": 50}
